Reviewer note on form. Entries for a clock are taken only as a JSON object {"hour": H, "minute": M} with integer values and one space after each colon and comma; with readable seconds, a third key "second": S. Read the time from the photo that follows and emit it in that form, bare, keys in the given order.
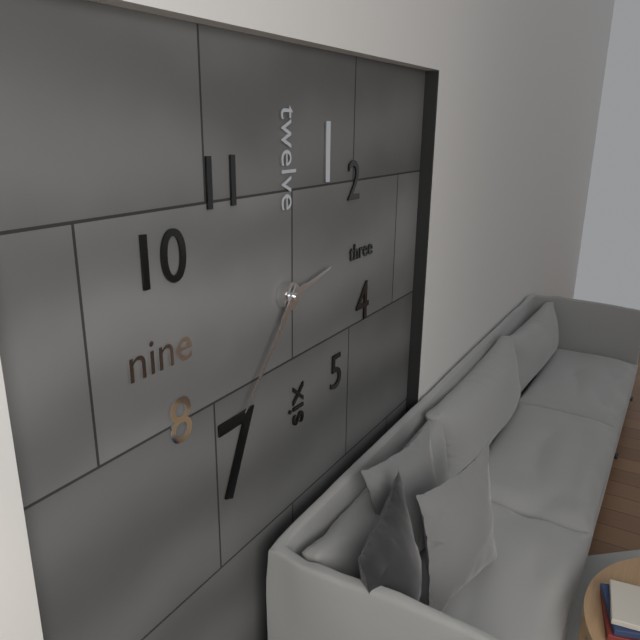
{"hour": 2, "minute": 37}
